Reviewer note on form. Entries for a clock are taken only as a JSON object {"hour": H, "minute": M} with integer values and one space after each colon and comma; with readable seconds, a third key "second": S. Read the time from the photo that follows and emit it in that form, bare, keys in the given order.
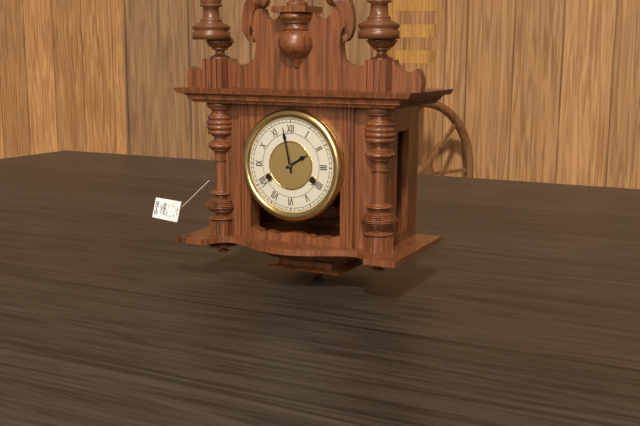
{"hour": 1, "minute": 58}
